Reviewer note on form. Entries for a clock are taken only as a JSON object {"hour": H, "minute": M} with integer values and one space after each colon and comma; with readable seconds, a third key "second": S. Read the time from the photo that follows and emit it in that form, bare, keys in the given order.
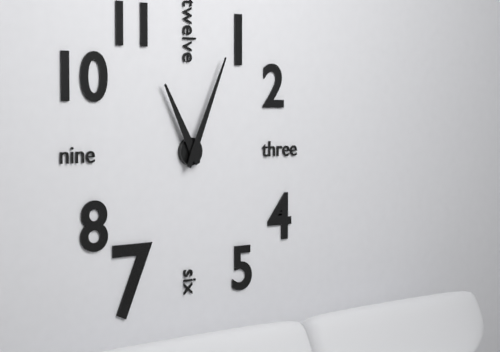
{"hour": 11, "minute": 4}
